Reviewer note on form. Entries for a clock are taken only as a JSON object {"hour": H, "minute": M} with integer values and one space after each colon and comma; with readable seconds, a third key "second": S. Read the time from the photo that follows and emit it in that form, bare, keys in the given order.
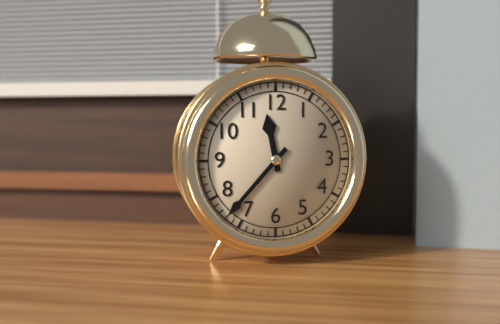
{"hour": 11, "minute": 37}
